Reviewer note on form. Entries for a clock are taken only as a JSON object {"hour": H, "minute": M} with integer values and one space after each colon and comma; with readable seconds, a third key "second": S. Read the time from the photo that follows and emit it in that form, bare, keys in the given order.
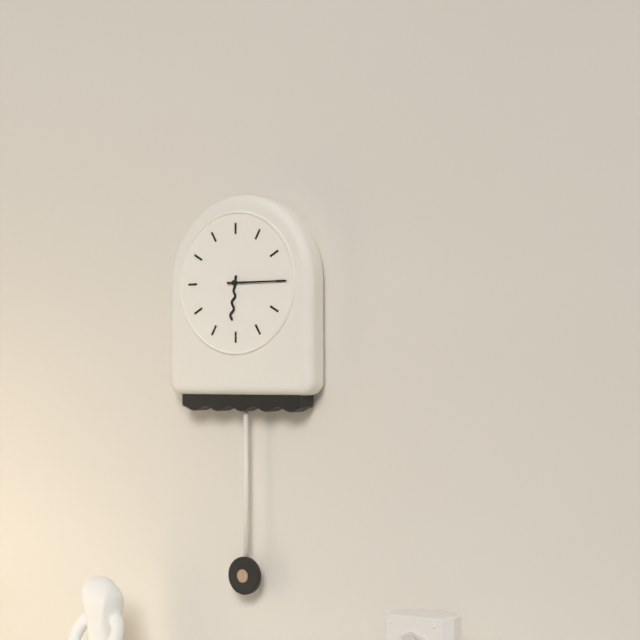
{"hour": 6, "minute": 15}
